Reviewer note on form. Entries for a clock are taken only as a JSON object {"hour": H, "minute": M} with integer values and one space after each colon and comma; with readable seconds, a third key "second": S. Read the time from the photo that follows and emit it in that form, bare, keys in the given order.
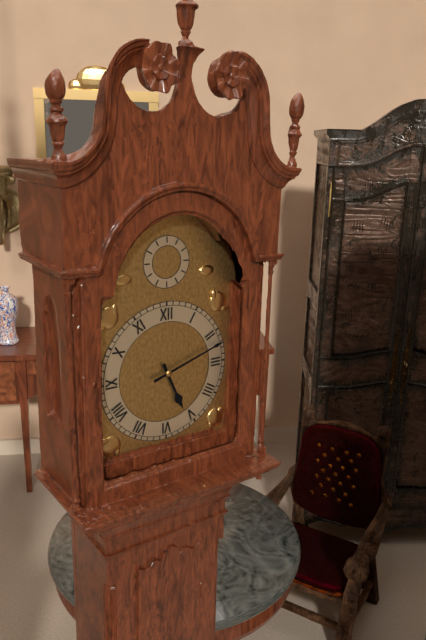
{"hour": 5, "minute": 12}
